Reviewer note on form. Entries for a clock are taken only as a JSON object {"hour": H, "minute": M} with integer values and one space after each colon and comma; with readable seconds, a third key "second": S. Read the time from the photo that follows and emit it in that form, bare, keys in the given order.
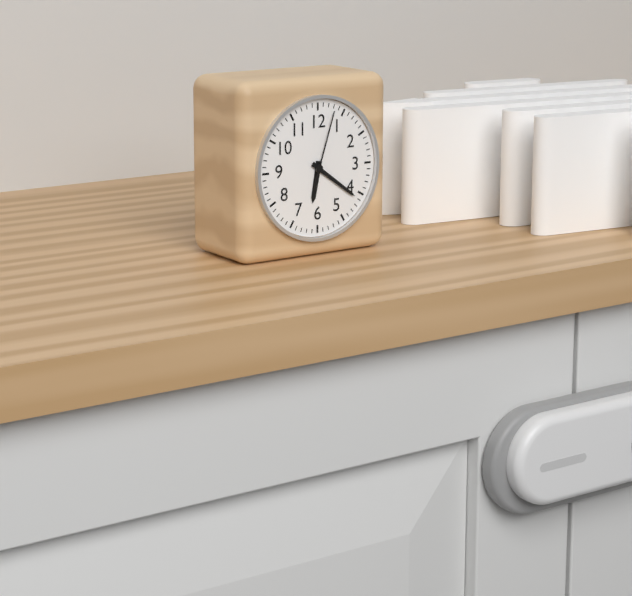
{"hour": 6, "minute": 21, "second": 3}
